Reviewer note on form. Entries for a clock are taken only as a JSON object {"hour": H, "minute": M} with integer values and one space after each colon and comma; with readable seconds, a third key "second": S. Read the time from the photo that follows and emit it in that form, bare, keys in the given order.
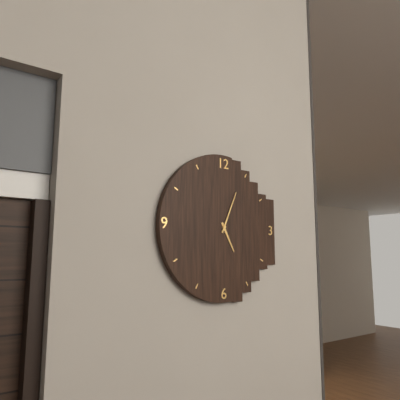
{"hour": 5, "minute": 4}
